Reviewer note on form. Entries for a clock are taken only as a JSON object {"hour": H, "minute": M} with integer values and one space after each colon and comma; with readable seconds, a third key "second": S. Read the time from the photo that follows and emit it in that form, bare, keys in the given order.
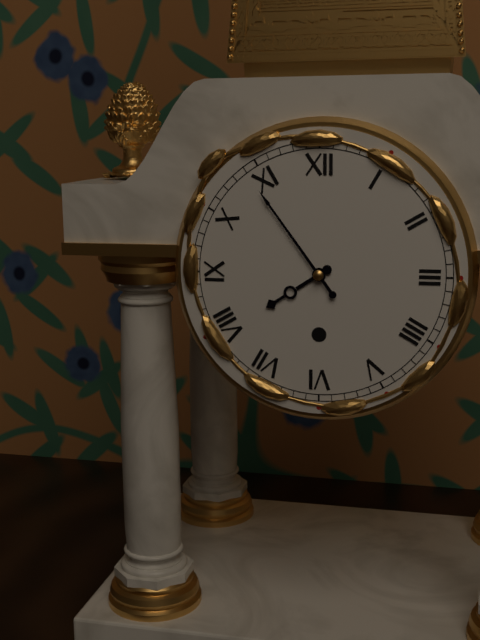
{"hour": 7, "minute": 54}
